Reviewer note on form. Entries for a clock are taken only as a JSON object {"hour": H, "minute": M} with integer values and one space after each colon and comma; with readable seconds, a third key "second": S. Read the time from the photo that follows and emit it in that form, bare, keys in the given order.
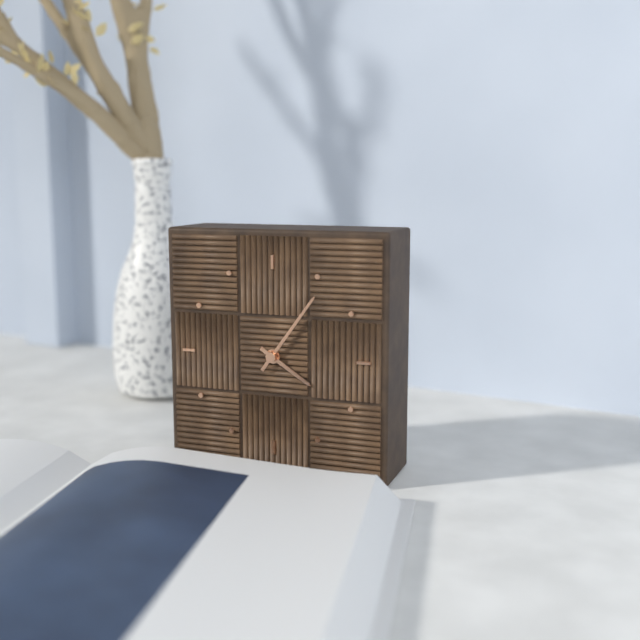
{"hour": 4, "minute": 6}
